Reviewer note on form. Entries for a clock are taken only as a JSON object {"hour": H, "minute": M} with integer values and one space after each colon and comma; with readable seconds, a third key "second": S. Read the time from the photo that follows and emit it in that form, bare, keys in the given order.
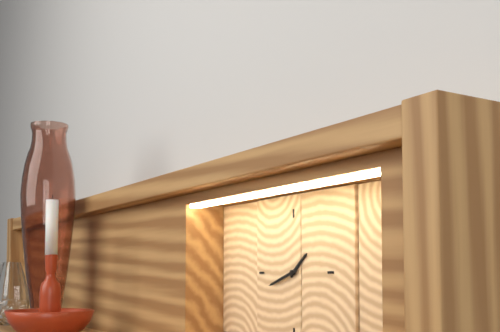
{"hour": 1, "minute": 42}
